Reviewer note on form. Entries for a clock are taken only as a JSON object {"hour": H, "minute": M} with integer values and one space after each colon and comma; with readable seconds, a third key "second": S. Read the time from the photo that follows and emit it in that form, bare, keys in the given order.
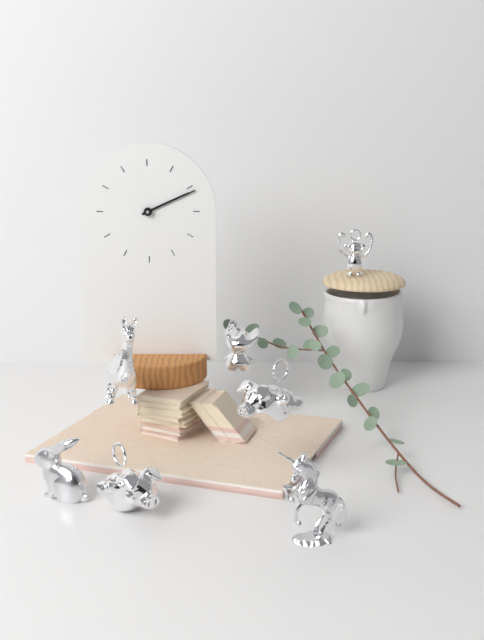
{"hour": 2, "minute": 11}
